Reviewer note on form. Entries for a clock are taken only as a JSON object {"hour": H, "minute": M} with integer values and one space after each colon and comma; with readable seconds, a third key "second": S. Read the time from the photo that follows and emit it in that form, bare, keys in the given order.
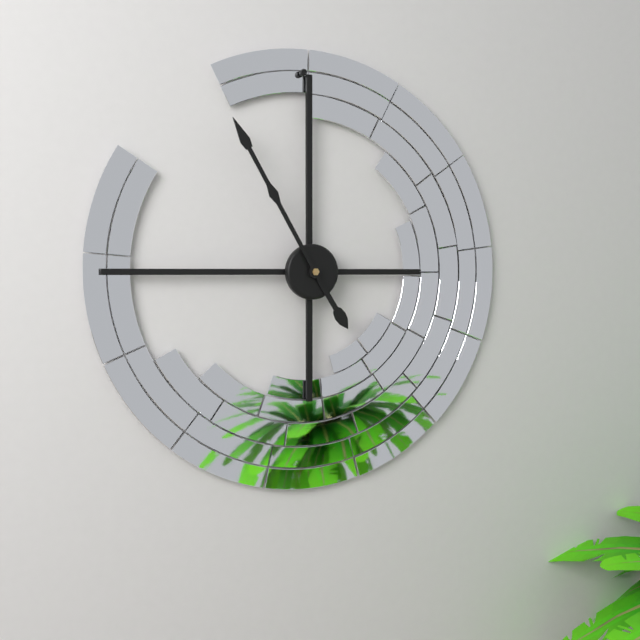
{"hour": 4, "minute": 55}
